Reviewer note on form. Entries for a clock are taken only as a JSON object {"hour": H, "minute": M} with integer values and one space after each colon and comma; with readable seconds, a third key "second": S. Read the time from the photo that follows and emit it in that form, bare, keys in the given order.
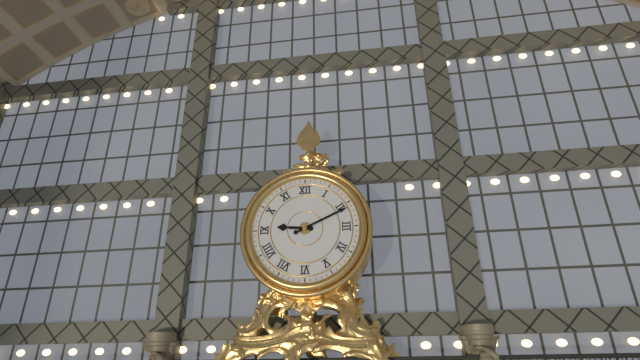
{"hour": 9, "minute": 11}
